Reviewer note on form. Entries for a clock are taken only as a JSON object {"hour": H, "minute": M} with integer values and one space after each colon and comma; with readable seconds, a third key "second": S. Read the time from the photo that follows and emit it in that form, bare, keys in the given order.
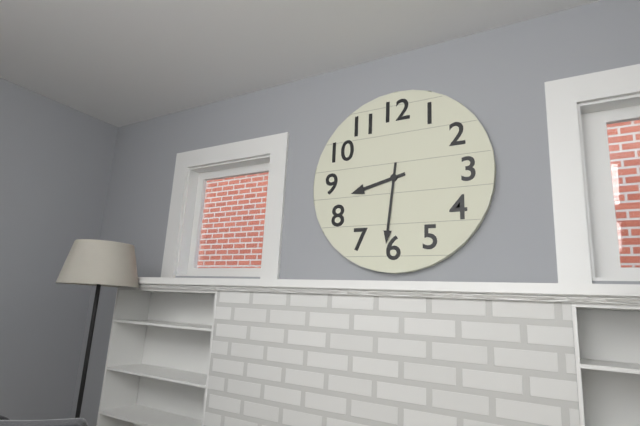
{"hour": 8, "minute": 31}
